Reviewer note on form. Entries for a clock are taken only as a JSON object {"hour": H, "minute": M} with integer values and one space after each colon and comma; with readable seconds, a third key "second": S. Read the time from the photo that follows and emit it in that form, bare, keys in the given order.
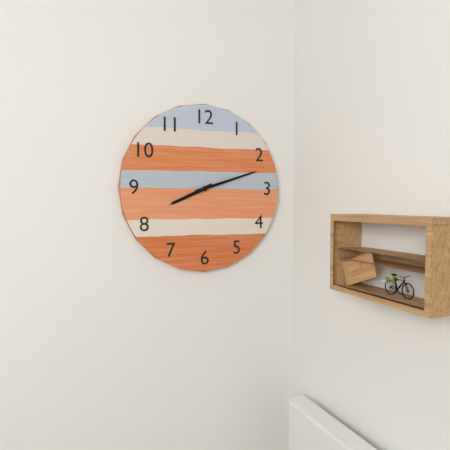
{"hour": 8, "minute": 12}
